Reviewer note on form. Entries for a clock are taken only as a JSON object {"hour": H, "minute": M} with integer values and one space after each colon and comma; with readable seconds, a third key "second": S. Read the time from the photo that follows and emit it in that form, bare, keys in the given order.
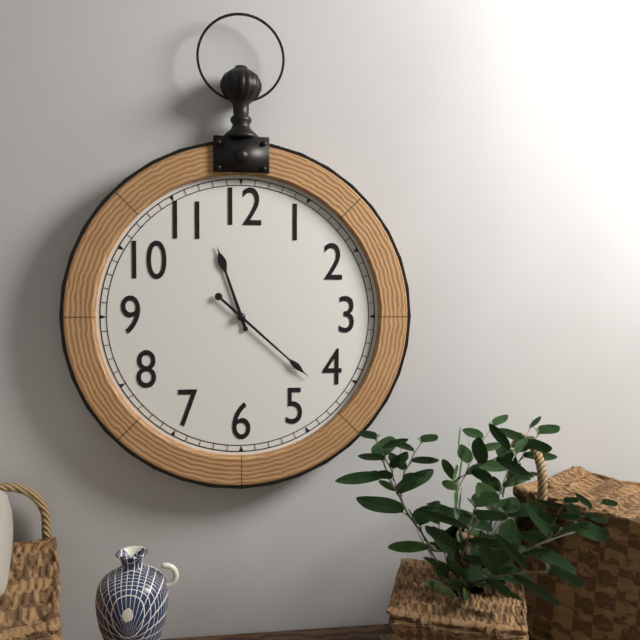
{"hour": 11, "minute": 22}
